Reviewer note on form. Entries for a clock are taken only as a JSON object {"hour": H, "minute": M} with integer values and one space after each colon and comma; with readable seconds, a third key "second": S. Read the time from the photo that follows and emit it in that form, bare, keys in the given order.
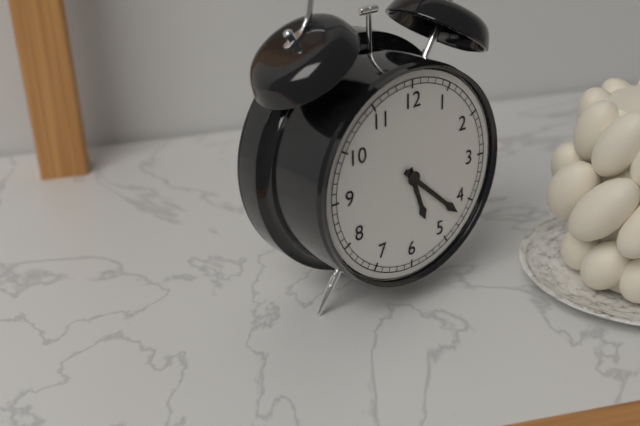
{"hour": 5, "minute": 22}
